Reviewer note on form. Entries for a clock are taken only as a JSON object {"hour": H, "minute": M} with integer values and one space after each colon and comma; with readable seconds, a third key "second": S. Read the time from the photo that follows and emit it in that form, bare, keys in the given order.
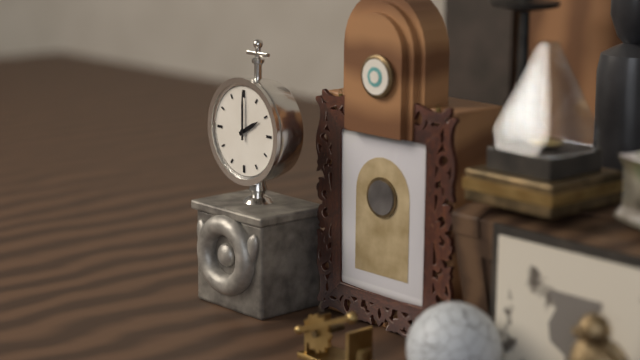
{"hour": 2, "minute": 0}
